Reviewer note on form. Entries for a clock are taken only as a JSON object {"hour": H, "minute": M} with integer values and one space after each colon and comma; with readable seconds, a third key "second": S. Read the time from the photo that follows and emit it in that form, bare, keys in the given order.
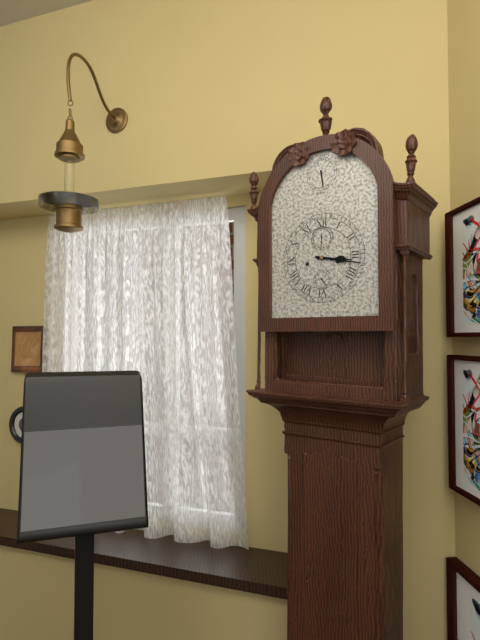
{"hour": 3, "minute": 17}
